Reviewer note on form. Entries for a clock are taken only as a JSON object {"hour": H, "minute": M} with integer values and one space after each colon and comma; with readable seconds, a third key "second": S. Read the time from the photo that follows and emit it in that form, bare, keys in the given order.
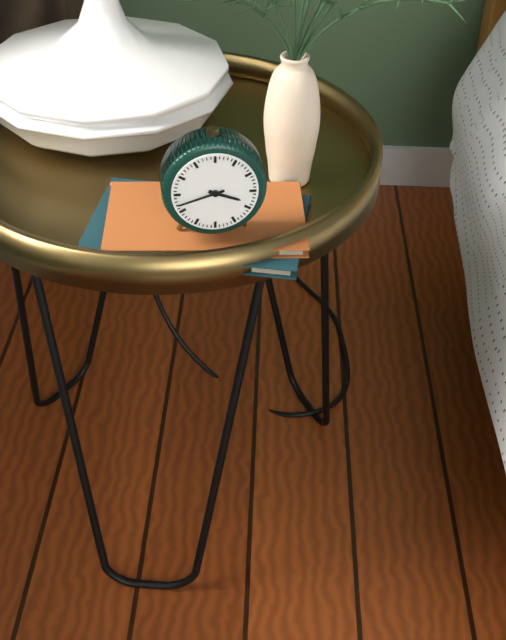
{"hour": 3, "minute": 42}
